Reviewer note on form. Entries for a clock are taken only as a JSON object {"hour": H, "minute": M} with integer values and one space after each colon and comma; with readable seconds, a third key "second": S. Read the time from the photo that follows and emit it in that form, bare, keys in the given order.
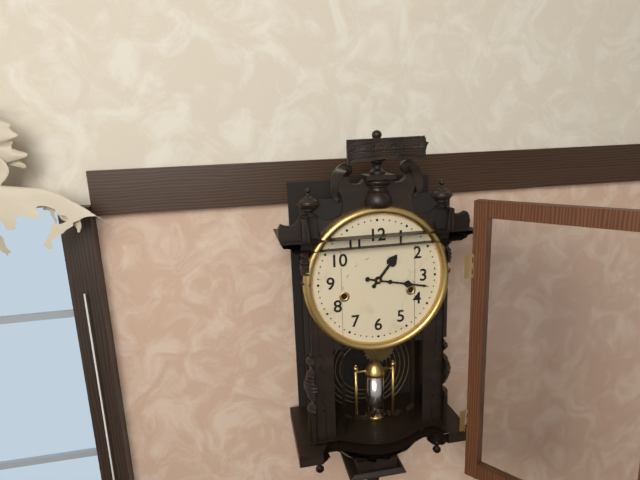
{"hour": 1, "minute": 17}
